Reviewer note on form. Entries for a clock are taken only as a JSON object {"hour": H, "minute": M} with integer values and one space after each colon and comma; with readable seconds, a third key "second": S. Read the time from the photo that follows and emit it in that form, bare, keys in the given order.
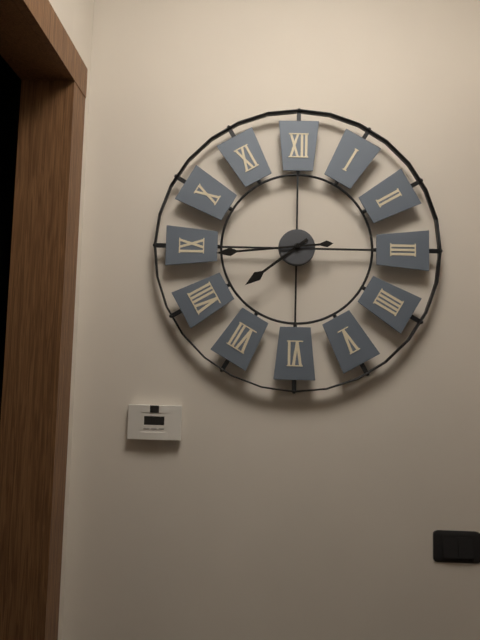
{"hour": 7, "minute": 44}
